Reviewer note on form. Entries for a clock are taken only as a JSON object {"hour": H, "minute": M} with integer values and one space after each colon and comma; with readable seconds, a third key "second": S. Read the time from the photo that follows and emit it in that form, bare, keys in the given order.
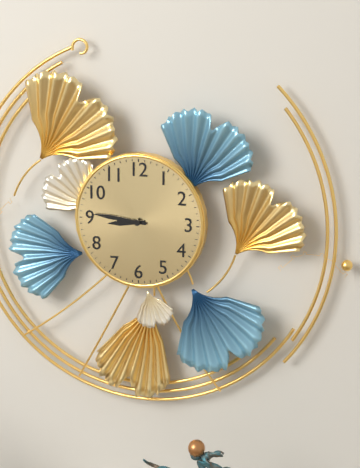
{"hour": 8, "minute": 46}
